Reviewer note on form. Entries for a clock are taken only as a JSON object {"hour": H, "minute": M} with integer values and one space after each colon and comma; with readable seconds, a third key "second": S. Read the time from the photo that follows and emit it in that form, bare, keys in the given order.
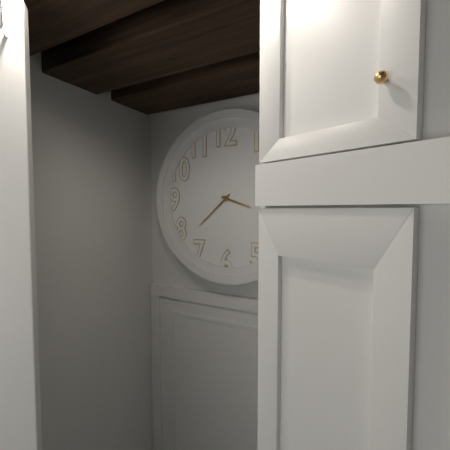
{"hour": 3, "minute": 38}
